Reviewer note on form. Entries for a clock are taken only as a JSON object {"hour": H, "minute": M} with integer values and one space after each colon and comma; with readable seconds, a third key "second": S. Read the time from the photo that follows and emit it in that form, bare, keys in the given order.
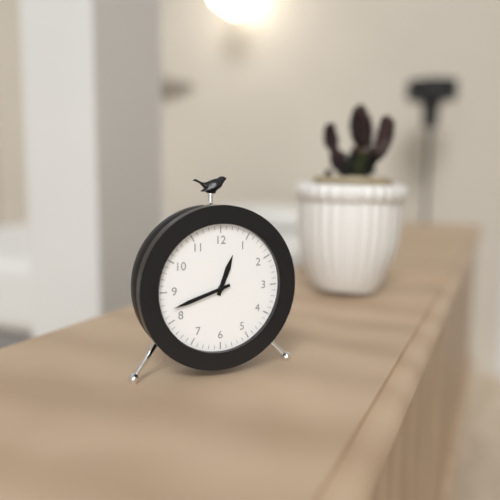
{"hour": 12, "minute": 42}
